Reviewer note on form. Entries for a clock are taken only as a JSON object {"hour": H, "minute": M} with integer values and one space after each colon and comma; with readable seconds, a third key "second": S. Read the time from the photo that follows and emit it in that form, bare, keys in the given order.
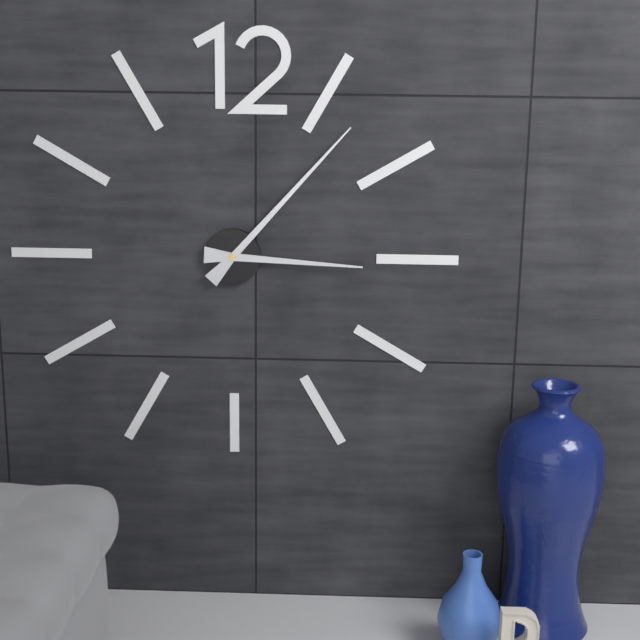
{"hour": 3, "minute": 7}
